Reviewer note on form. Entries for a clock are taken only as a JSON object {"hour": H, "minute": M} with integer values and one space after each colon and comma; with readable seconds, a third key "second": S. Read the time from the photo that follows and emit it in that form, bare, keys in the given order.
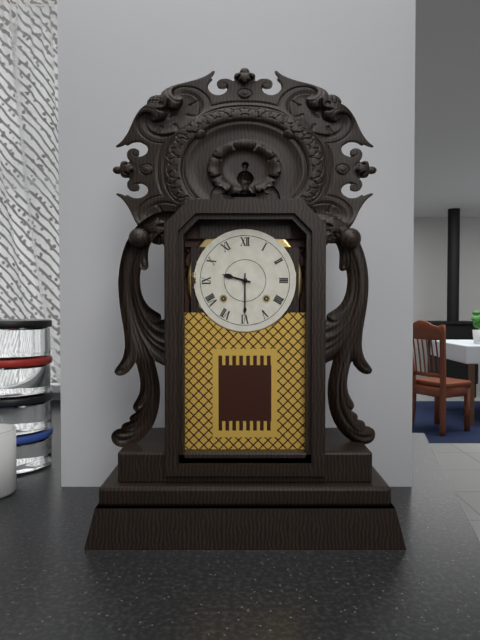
{"hour": 9, "minute": 30}
